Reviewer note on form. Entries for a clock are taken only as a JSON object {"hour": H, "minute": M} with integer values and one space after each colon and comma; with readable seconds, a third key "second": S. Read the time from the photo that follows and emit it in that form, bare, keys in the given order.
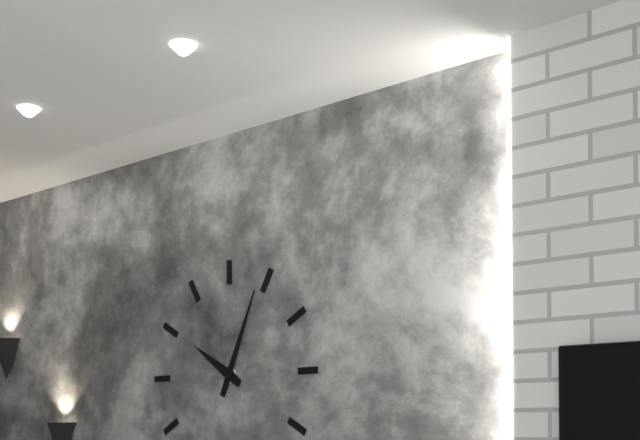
{"hour": 10, "minute": 4}
